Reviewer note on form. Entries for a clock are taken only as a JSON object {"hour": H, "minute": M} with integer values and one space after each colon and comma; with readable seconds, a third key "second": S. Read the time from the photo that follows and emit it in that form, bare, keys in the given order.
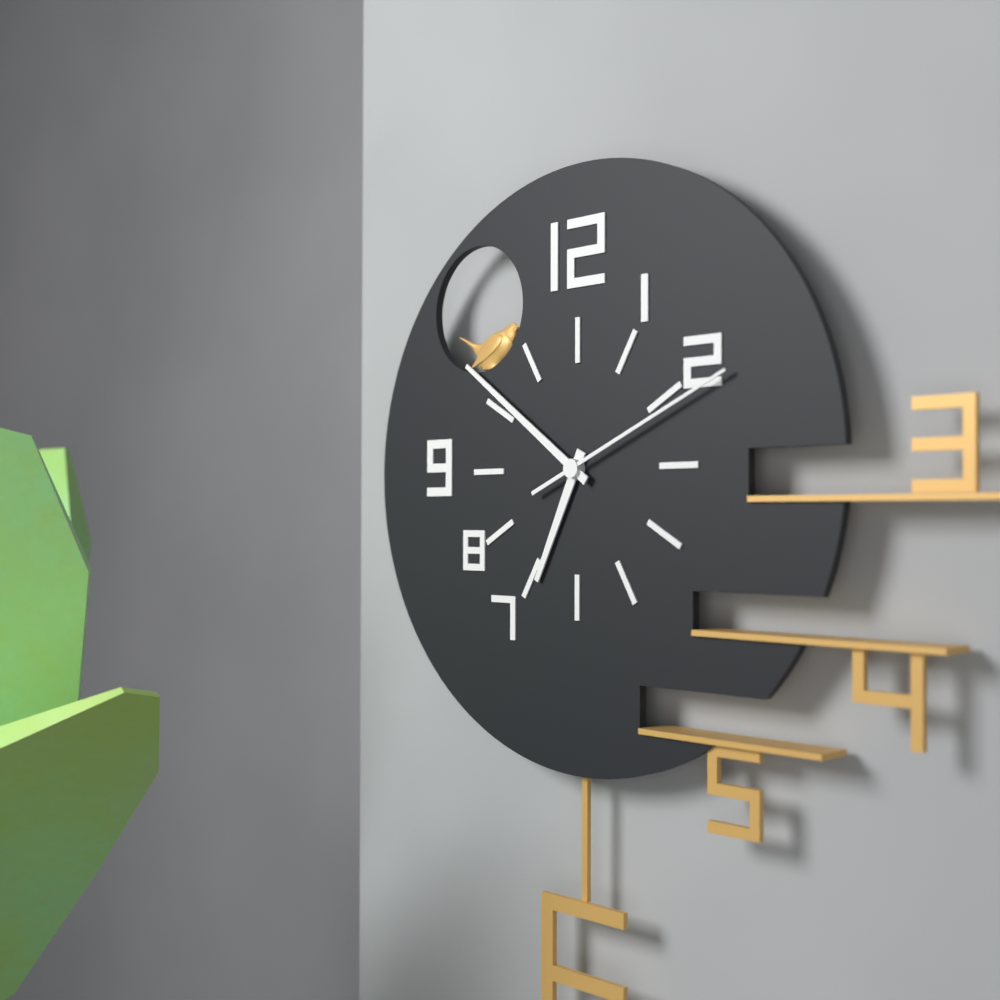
{"hour": 6, "minute": 51, "second": 11}
